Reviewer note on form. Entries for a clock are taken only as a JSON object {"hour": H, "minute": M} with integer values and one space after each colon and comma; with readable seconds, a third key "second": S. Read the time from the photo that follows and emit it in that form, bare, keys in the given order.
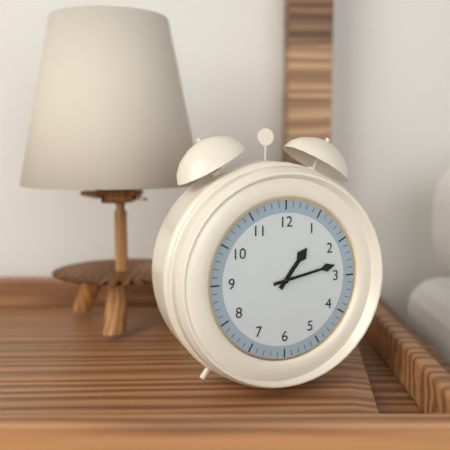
{"hour": 1, "minute": 13}
